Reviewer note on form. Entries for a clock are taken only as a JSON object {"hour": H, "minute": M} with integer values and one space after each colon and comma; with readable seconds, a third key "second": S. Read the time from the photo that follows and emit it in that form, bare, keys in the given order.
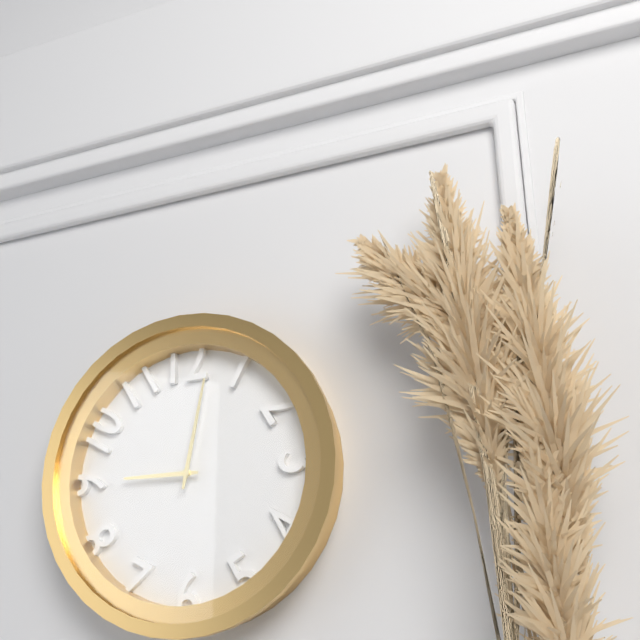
{"hour": 9, "minute": 2}
